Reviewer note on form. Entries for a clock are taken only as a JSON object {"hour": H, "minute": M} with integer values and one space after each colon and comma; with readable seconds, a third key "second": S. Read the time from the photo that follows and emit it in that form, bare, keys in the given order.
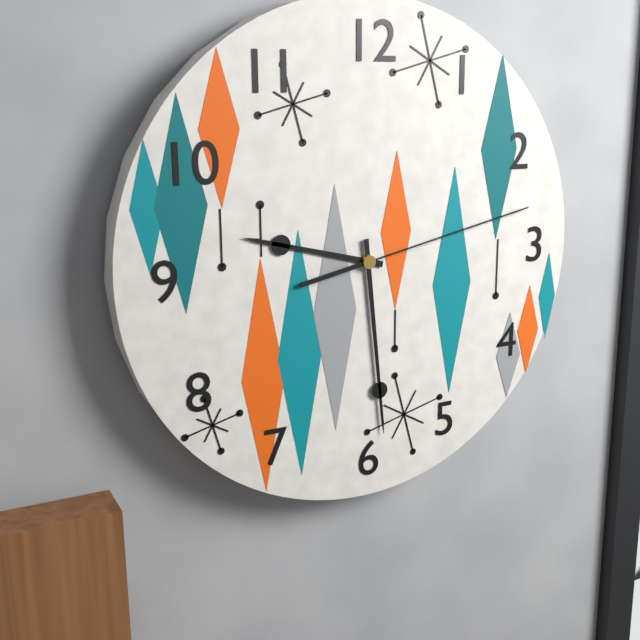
{"hour": 9, "minute": 29, "second": 13}
